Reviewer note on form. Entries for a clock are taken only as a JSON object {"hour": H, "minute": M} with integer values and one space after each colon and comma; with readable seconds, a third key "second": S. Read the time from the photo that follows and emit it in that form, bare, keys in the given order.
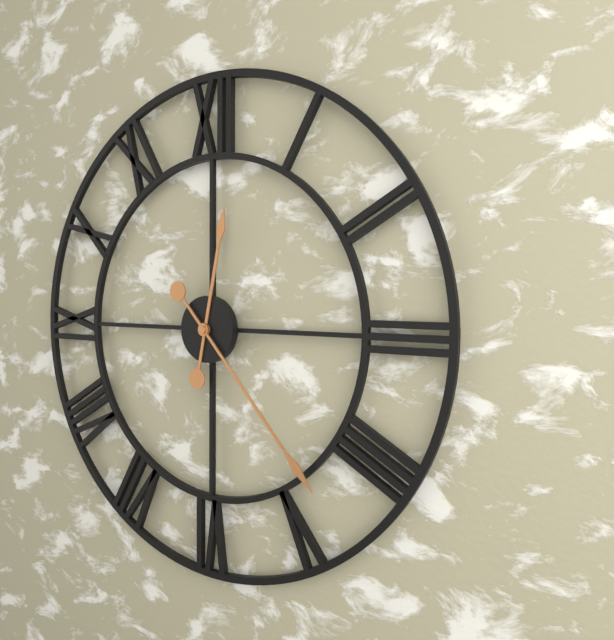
{"hour": 12, "minute": 23}
